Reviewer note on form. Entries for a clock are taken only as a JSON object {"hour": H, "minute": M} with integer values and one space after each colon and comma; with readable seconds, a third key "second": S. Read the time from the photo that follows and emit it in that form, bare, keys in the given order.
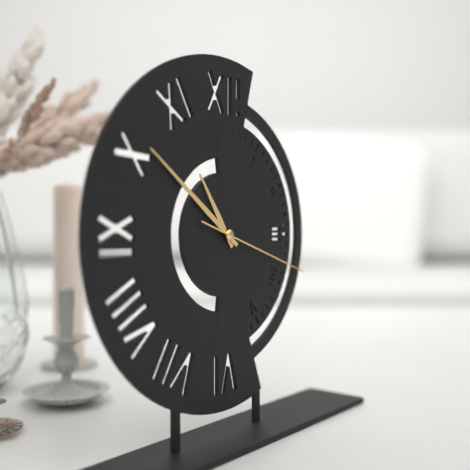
{"hour": 10, "minute": 51, "second": 18}
